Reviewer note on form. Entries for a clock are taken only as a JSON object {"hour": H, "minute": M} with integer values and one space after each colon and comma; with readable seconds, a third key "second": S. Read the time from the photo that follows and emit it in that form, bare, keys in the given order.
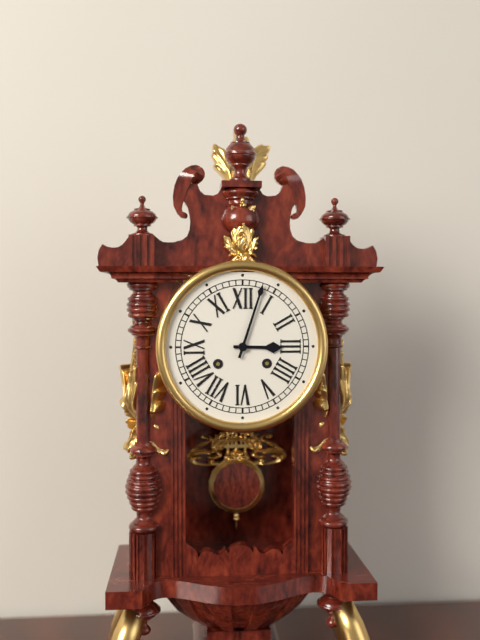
{"hour": 3, "minute": 3}
